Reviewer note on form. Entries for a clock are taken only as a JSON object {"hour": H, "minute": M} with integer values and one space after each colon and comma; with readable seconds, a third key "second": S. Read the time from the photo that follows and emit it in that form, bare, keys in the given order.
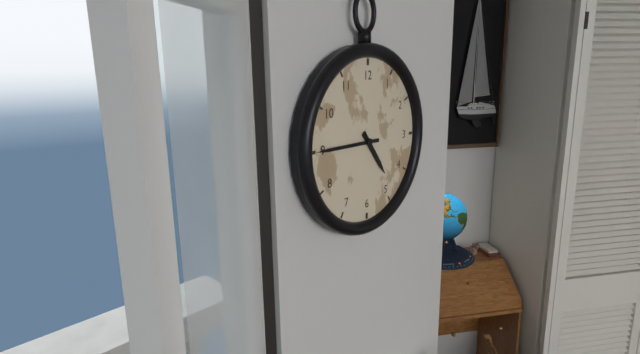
{"hour": 4, "minute": 45}
